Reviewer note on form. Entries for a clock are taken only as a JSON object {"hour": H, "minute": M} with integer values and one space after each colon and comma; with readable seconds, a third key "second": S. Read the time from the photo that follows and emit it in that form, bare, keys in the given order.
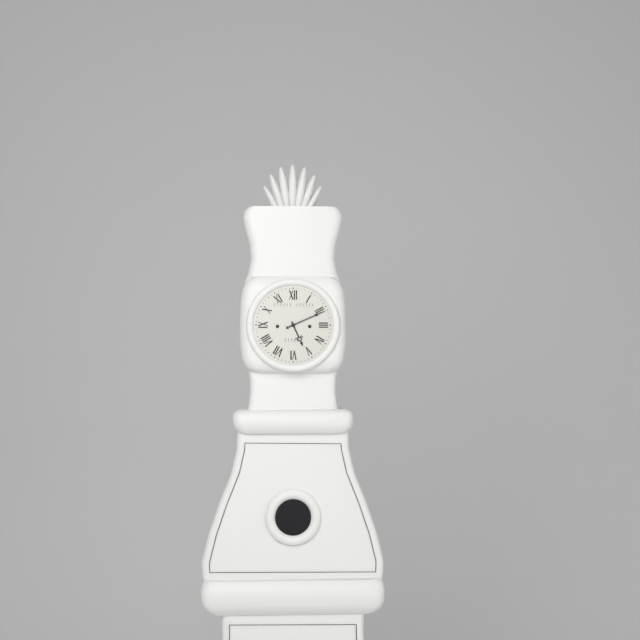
{"hour": 5, "minute": 11}
